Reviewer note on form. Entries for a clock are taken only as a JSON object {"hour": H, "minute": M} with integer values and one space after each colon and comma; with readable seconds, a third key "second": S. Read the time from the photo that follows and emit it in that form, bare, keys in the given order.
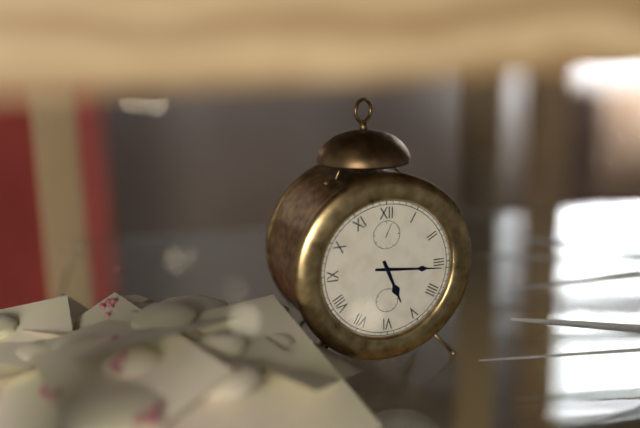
{"hour": 5, "minute": 16}
